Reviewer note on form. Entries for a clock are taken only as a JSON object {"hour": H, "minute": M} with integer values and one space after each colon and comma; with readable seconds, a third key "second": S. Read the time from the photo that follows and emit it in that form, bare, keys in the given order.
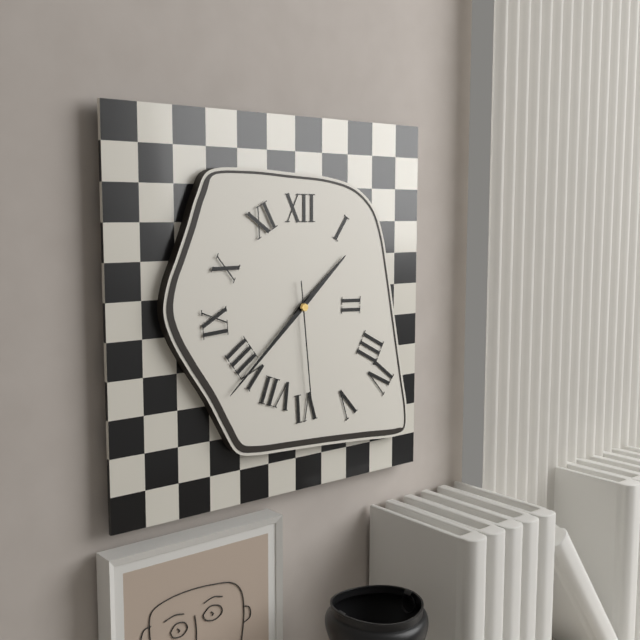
{"hour": 1, "minute": 38, "second": 29}
